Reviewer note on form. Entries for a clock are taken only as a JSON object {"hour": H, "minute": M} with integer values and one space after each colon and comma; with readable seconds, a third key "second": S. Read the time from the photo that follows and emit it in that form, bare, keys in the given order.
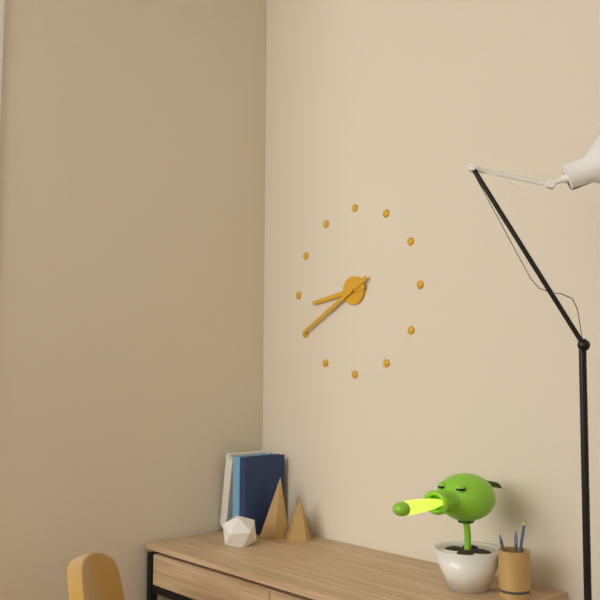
{"hour": 8, "minute": 40}
